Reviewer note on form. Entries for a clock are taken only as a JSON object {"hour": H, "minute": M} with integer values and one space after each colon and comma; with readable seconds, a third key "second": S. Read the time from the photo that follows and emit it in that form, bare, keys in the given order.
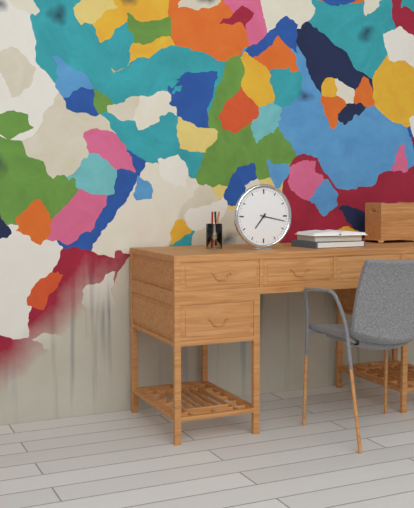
{"hour": 7, "minute": 17}
